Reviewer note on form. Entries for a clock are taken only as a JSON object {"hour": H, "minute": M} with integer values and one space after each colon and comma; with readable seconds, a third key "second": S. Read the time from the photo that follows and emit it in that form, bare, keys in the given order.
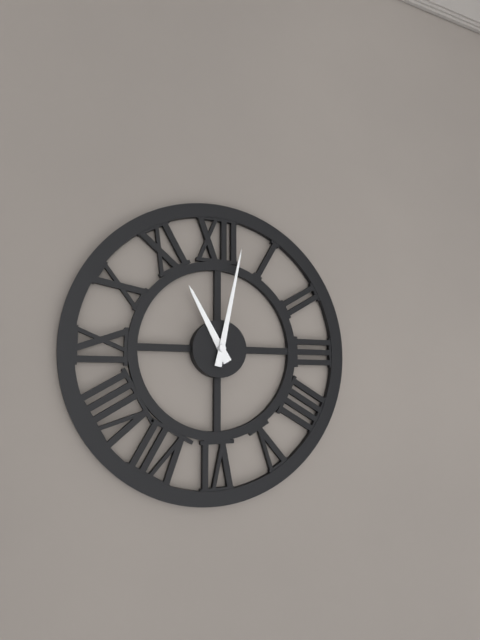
{"hour": 11, "minute": 2}
